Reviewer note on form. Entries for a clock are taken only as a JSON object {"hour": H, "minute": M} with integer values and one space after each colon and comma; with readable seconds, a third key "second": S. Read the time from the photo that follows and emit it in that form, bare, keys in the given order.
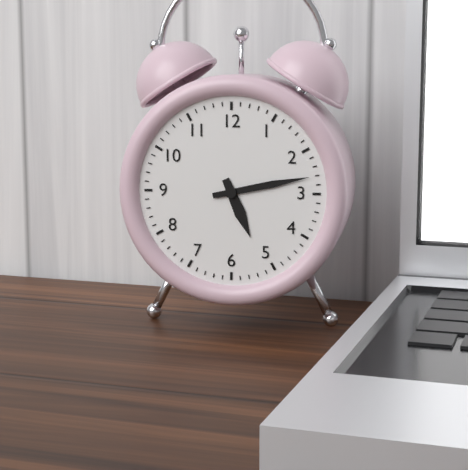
{"hour": 5, "minute": 13}
